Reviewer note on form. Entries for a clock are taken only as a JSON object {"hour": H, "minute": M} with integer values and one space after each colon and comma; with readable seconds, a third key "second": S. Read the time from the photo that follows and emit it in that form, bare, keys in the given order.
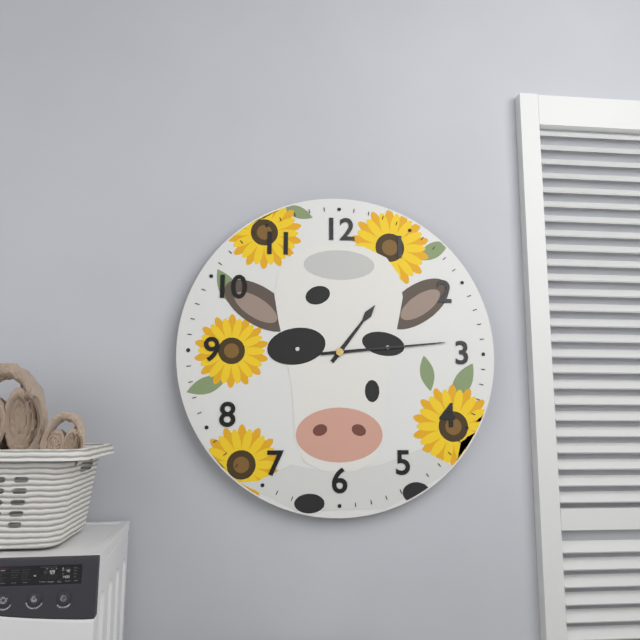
{"hour": 1, "minute": 14}
